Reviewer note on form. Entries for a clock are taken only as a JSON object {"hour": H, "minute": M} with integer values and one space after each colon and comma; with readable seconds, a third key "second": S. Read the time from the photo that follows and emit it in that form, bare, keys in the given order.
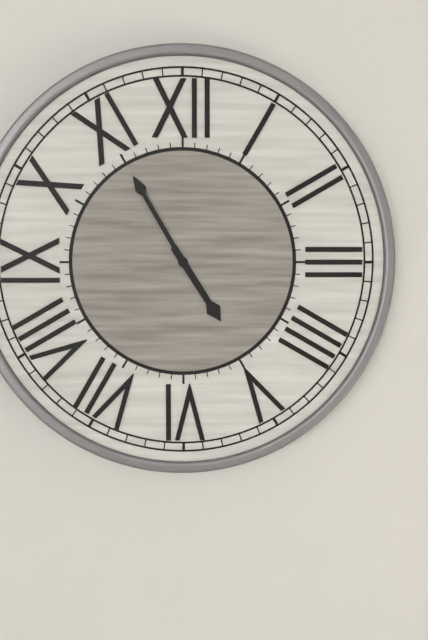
{"hour": 4, "minute": 55}
